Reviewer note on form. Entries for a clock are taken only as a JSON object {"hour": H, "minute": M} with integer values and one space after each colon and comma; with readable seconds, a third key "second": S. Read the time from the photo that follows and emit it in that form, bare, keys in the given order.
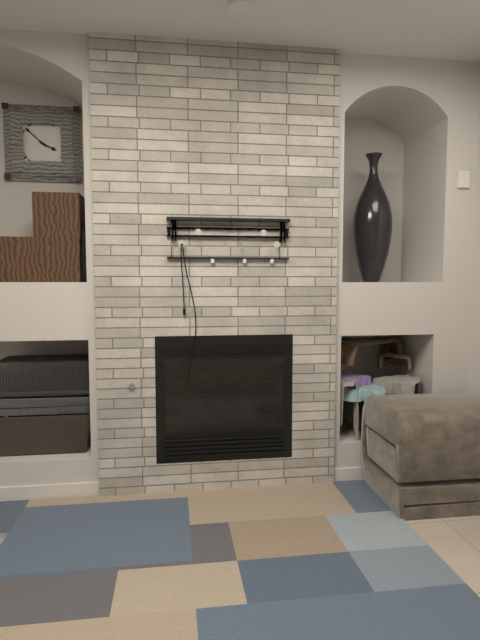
{"hour": 3, "minute": 52}
